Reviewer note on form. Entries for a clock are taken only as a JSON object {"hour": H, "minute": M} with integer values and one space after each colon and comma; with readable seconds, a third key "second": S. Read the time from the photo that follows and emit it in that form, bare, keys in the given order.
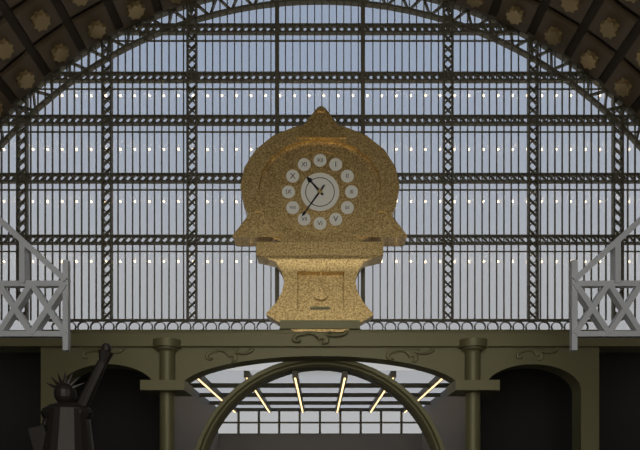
{"hour": 10, "minute": 36}
